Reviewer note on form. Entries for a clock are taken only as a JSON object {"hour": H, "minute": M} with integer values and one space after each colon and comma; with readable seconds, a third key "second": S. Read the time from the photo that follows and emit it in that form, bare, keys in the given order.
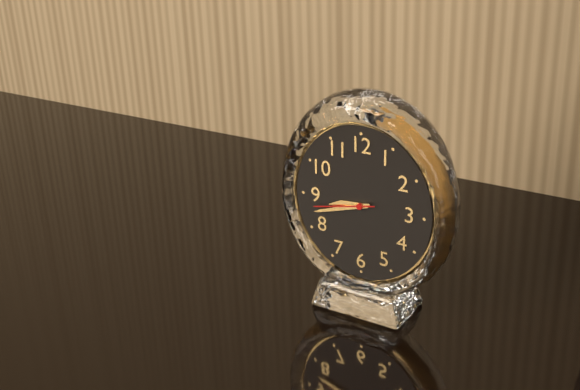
{"hour": 8, "minute": 42, "second": 43}
